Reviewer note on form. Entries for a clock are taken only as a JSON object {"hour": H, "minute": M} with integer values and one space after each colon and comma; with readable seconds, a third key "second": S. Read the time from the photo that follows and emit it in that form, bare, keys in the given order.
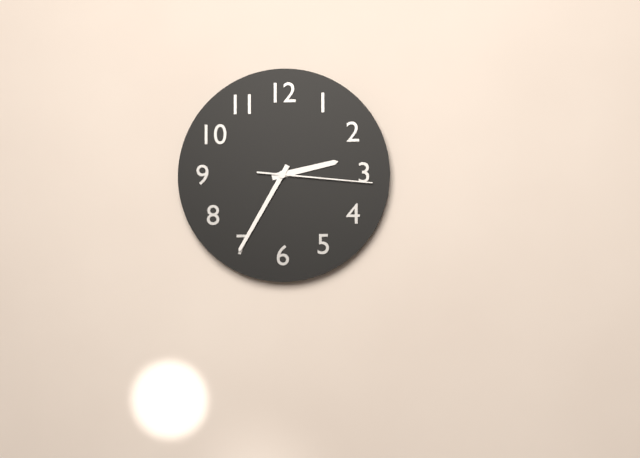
{"hour": 2, "minute": 35, "second": 16}
